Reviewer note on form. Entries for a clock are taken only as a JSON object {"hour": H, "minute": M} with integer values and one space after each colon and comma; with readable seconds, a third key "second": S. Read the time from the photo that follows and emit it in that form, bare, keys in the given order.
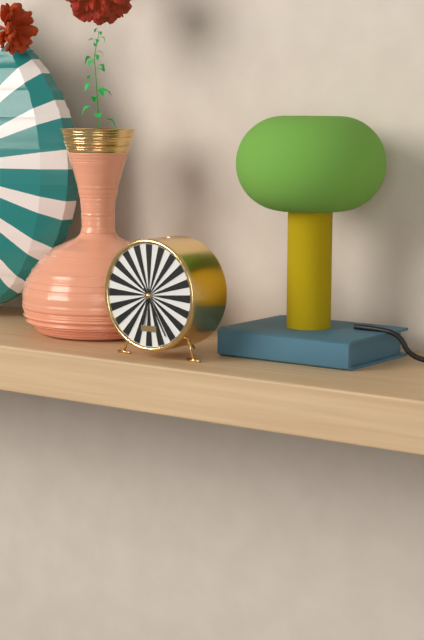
{"hour": 6, "minute": 25}
